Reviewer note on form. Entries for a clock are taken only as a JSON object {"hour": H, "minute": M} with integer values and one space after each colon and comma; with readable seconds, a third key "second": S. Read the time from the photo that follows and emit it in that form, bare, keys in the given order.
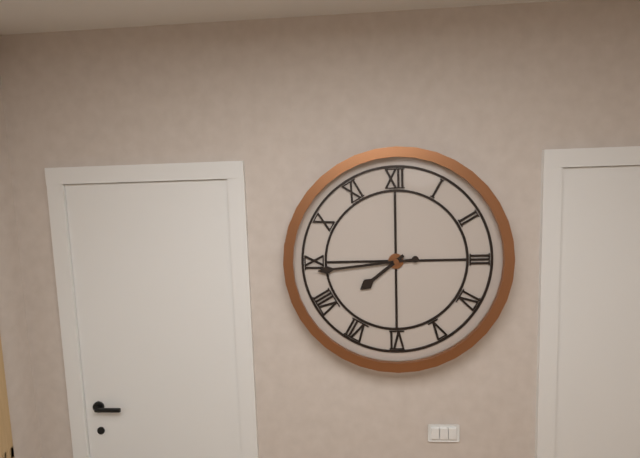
{"hour": 7, "minute": 44}
